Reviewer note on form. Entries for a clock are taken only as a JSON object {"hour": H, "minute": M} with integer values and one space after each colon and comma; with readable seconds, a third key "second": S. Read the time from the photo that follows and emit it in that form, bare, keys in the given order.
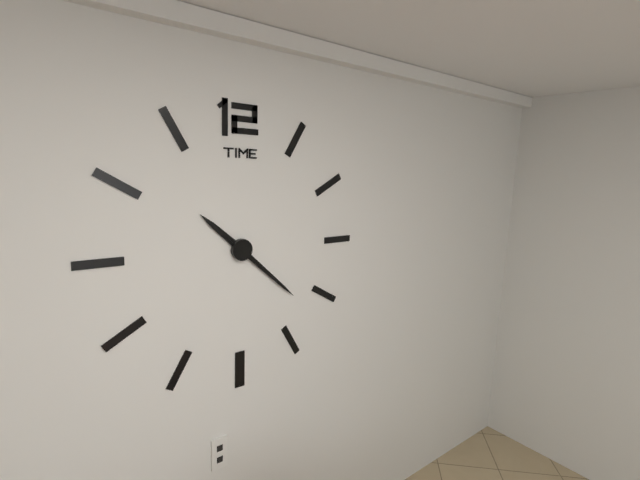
{"hour": 10, "minute": 22}
